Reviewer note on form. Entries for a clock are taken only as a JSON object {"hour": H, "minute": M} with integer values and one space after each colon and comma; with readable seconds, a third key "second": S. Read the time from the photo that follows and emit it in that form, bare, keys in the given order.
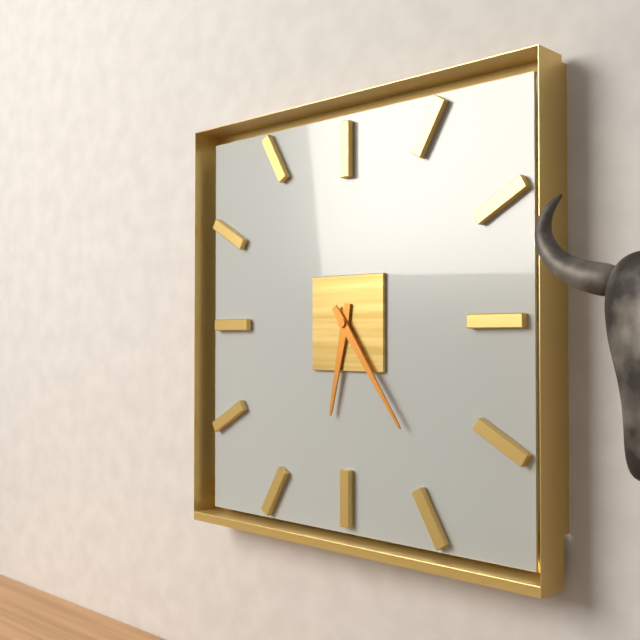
{"hour": 6, "minute": 24}
